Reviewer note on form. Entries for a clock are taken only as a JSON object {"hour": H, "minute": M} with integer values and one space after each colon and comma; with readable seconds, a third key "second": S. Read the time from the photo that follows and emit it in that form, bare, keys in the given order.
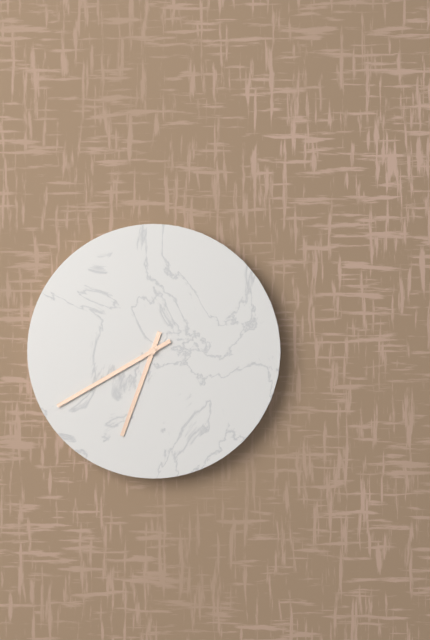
{"hour": 6, "minute": 40}
